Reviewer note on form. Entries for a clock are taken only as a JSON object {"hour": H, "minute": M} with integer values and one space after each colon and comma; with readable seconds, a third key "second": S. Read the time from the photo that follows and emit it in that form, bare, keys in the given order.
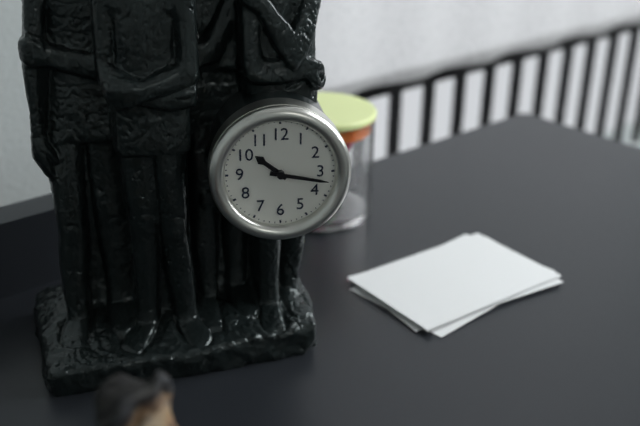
{"hour": 10, "minute": 17}
